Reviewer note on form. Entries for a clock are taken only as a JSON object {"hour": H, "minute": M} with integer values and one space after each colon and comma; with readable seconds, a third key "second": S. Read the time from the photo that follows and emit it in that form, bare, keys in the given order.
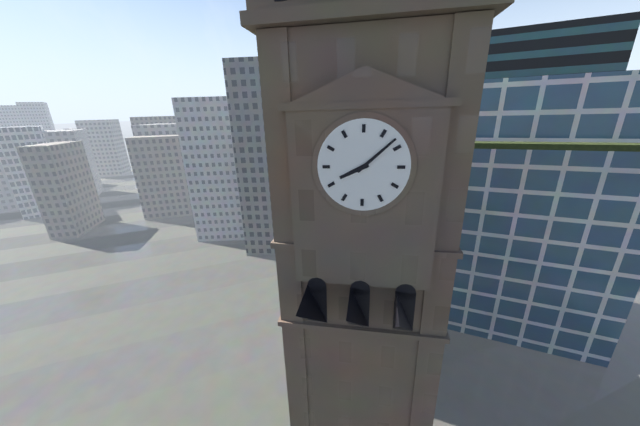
{"hour": 8, "minute": 8}
